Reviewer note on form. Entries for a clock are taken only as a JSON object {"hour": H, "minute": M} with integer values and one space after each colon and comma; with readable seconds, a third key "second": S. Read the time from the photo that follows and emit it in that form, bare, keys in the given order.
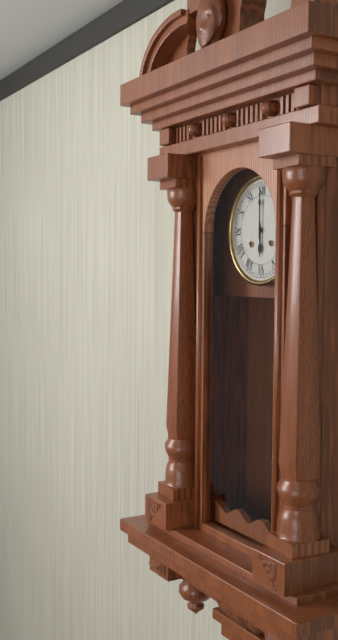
{"hour": 6, "minute": 0}
